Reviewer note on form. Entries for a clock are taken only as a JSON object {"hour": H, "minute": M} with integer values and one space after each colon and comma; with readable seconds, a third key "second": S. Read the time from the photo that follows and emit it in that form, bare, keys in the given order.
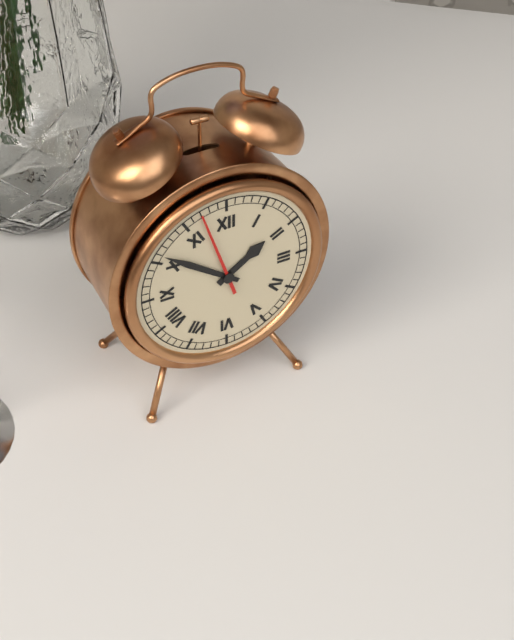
{"hour": 1, "minute": 51, "second": 57}
